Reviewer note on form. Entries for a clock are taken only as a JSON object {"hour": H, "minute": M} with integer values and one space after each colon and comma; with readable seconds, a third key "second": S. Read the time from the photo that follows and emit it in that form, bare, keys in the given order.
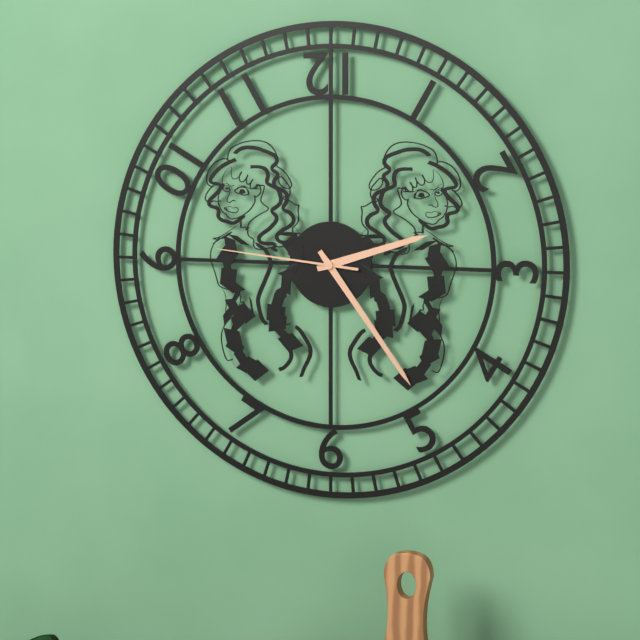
{"hour": 2, "minute": 24, "second": 46}
